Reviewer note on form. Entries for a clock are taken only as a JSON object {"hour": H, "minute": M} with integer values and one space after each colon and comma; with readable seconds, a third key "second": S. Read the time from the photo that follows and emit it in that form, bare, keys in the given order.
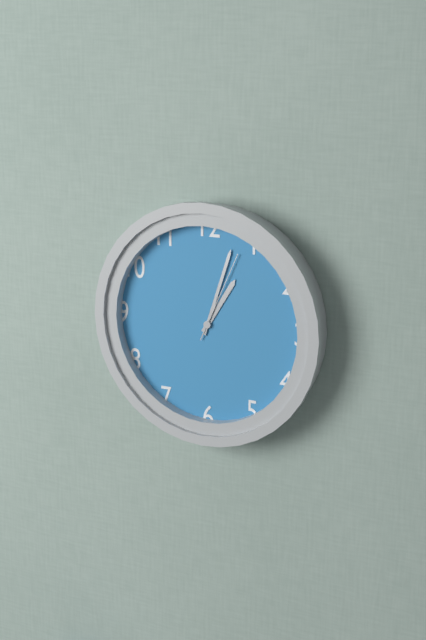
{"hour": 1, "minute": 3, "second": 4}
